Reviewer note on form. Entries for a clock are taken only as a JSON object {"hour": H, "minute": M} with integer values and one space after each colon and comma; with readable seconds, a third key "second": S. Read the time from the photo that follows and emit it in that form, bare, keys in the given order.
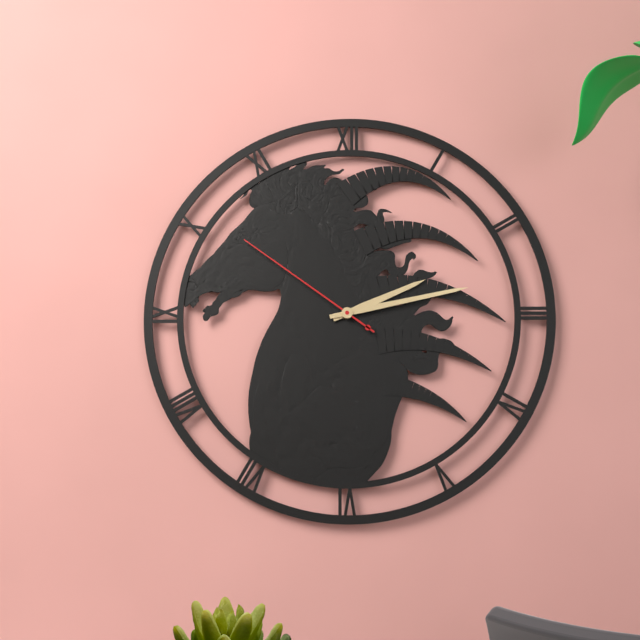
{"hour": 2, "minute": 13, "second": 51}
